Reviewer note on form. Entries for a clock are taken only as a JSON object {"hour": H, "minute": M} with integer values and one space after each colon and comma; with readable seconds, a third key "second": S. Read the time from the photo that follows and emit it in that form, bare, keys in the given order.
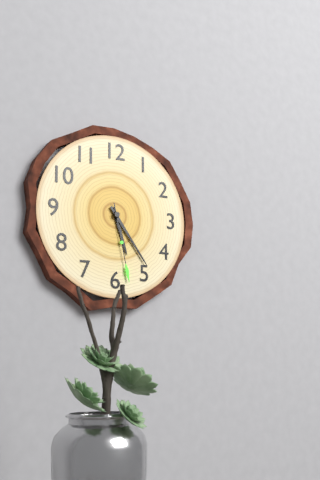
{"hour": 5, "minute": 24, "second": 28}
